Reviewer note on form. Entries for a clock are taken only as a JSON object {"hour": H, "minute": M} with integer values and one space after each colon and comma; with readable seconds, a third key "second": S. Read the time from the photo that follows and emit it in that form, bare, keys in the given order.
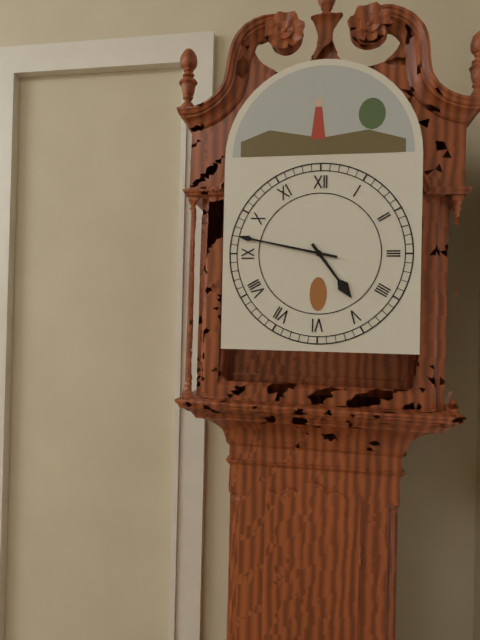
{"hour": 4, "minute": 47}
